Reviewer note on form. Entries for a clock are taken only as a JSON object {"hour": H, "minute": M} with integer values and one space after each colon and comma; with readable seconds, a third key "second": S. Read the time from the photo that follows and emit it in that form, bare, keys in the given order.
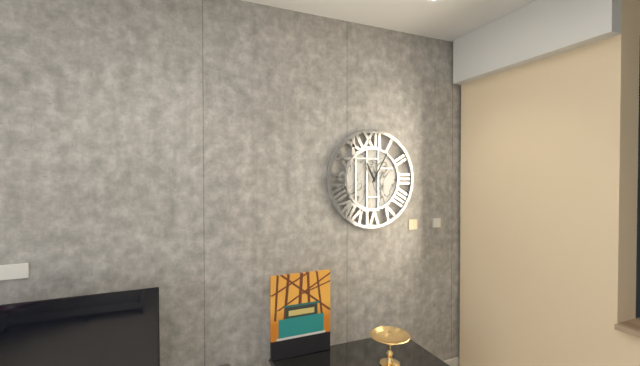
{"hour": 11, "minute": 5}
